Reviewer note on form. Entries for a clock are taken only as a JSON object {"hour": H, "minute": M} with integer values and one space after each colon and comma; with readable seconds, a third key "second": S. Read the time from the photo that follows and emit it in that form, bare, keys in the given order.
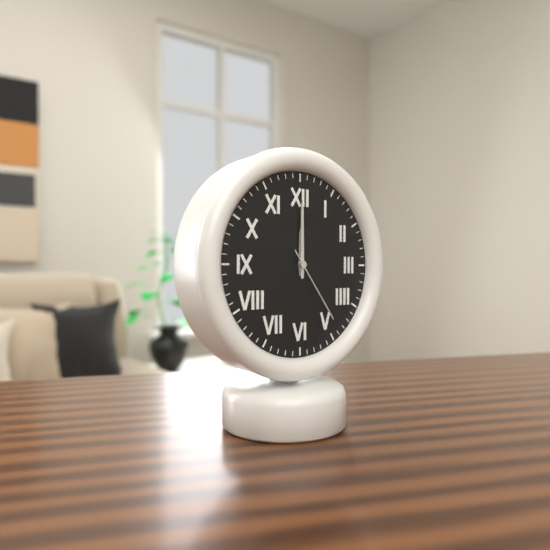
{"hour": 12, "minute": 0, "second": 24}
